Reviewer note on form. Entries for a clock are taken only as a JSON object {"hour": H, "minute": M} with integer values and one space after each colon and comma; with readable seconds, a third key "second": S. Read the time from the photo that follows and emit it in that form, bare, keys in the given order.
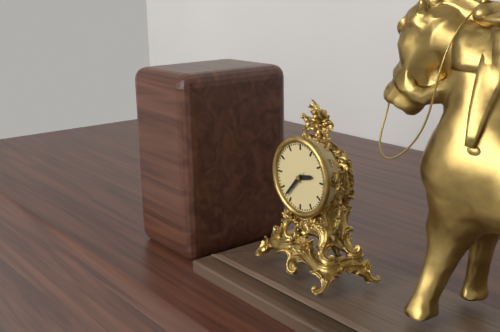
{"hour": 2, "minute": 37}
